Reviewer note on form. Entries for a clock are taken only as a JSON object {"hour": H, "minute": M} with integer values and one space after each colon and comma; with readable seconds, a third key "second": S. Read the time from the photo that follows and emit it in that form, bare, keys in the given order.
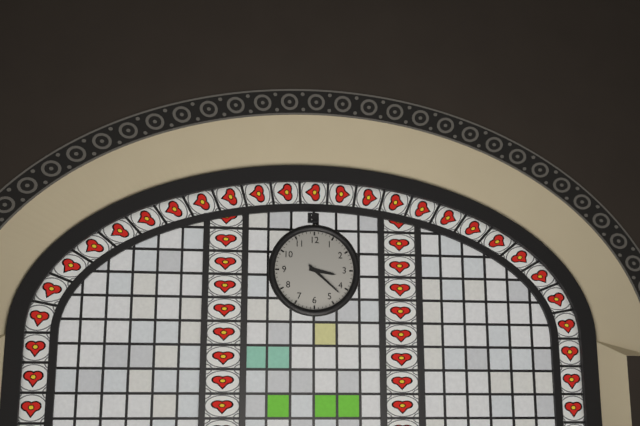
{"hour": 3, "minute": 22}
